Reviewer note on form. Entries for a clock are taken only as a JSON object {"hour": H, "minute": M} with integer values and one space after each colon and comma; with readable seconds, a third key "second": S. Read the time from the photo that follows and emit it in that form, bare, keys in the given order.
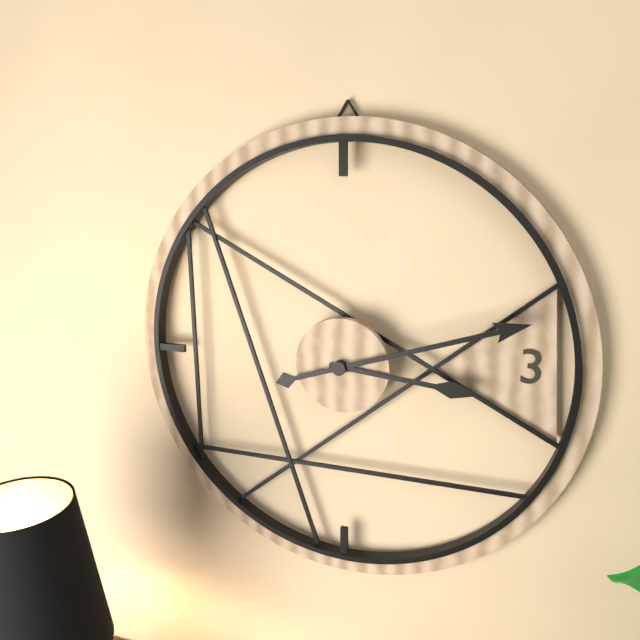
{"hour": 3, "minute": 12}
